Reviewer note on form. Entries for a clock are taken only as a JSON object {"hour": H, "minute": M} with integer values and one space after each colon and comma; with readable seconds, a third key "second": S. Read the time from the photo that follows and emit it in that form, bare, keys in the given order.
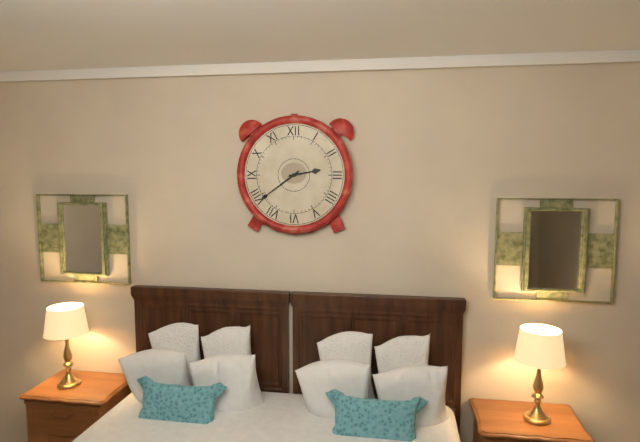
{"hour": 2, "minute": 39}
